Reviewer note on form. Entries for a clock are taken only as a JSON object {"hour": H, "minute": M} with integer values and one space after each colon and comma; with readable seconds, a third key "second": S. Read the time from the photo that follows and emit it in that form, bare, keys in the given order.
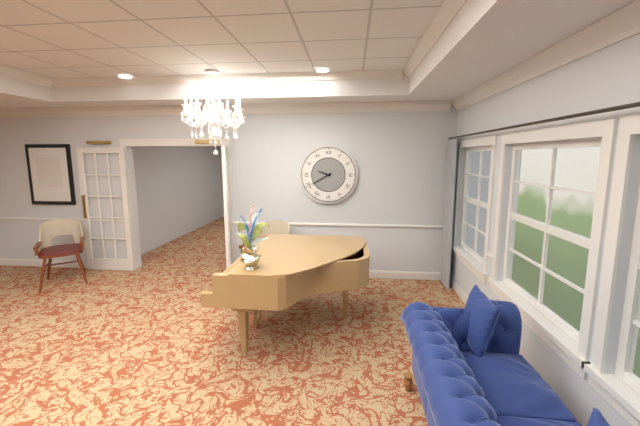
{"hour": 9, "minute": 40}
